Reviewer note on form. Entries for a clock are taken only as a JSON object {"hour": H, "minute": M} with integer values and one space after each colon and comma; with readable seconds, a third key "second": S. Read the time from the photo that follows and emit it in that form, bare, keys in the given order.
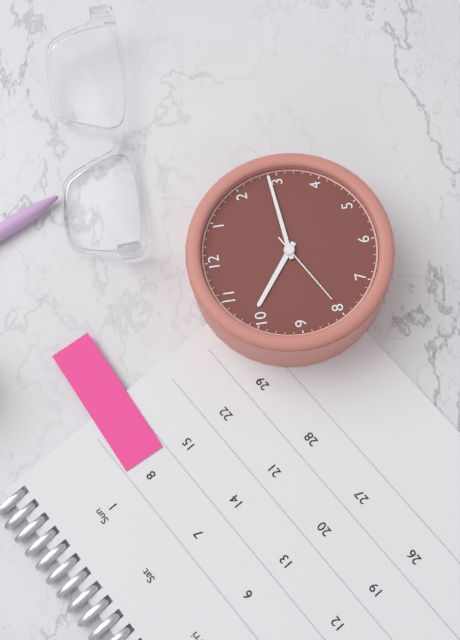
{"hour": 10, "minute": 14, "second": 40}
